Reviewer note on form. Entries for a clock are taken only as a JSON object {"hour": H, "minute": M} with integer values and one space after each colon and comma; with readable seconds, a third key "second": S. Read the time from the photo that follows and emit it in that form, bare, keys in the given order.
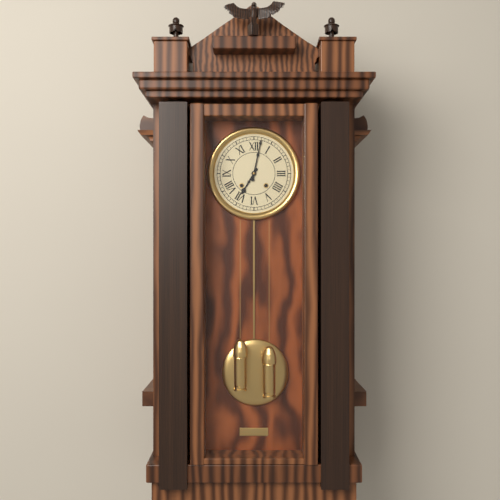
{"hour": 7, "minute": 2}
